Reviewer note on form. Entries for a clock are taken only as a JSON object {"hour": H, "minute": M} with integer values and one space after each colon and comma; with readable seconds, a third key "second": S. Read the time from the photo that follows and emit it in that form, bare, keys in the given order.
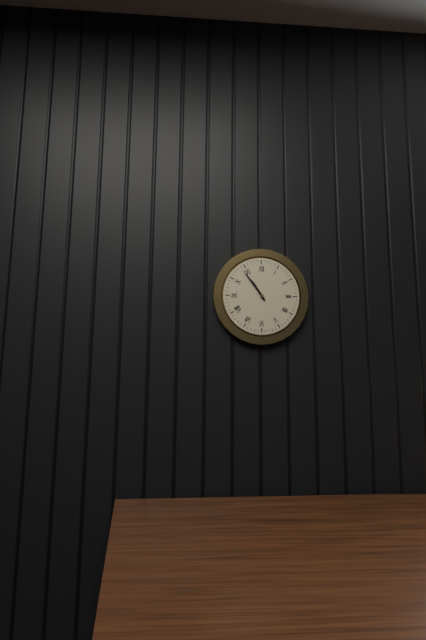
{"hour": 10, "minute": 54}
